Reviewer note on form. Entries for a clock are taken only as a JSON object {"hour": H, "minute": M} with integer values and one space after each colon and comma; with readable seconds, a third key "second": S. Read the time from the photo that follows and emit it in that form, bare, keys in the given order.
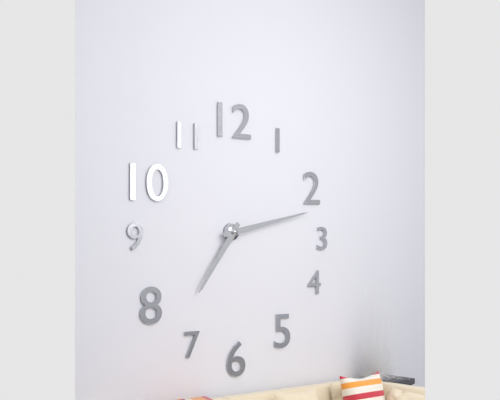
{"hour": 7, "minute": 13}
